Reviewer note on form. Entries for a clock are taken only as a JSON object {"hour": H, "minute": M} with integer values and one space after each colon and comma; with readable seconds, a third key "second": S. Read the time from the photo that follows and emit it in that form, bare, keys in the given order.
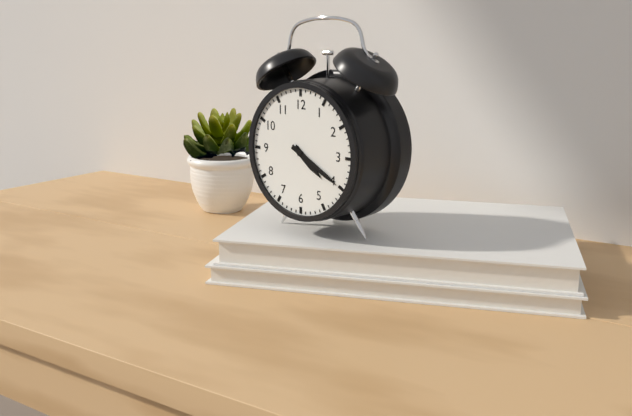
{"hour": 4, "minute": 20}
